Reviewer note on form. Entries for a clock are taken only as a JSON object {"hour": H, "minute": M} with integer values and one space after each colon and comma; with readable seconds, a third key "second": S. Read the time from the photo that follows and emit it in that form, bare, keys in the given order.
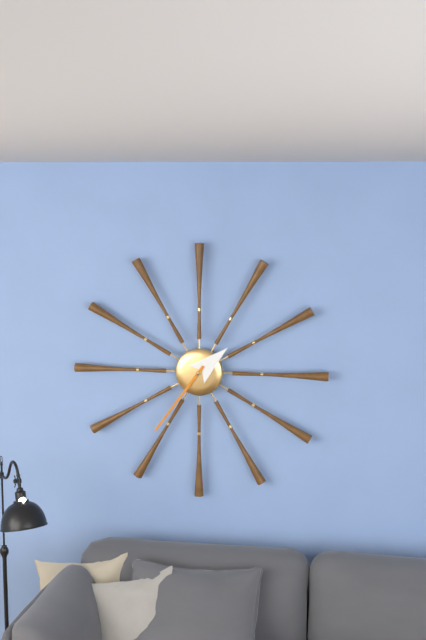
{"hour": 1, "minute": 36}
